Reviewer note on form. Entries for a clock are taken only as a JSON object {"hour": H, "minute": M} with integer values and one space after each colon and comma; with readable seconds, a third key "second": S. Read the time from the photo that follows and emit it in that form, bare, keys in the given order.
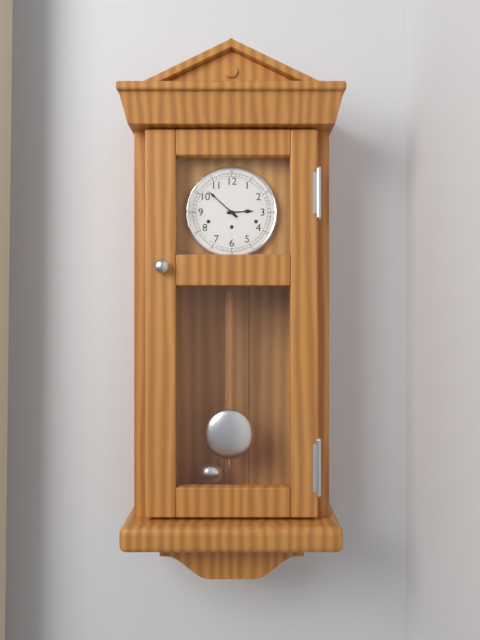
{"hour": 2, "minute": 52}
